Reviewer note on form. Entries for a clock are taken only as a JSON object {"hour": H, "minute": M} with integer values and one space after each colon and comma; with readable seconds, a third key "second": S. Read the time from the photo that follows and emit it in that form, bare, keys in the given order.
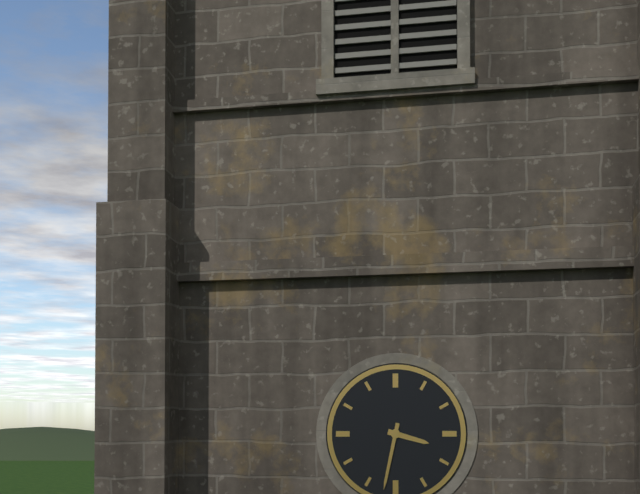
{"hour": 3, "minute": 32}
